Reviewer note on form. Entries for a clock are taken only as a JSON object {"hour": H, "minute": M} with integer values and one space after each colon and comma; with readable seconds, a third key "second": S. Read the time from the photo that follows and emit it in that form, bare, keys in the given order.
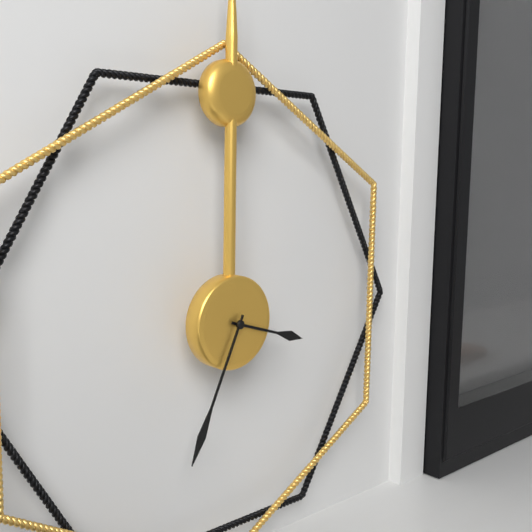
{"hour": 3, "minute": 34}
